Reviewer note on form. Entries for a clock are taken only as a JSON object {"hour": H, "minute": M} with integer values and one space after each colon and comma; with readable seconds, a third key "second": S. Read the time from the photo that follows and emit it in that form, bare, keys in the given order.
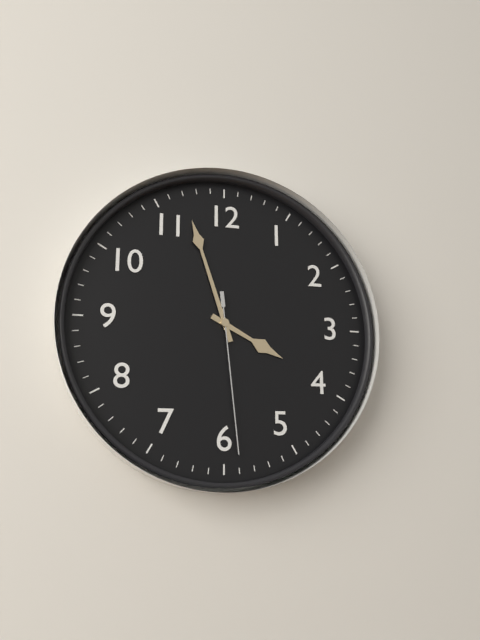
{"hour": 3, "minute": 57, "second": 29}
